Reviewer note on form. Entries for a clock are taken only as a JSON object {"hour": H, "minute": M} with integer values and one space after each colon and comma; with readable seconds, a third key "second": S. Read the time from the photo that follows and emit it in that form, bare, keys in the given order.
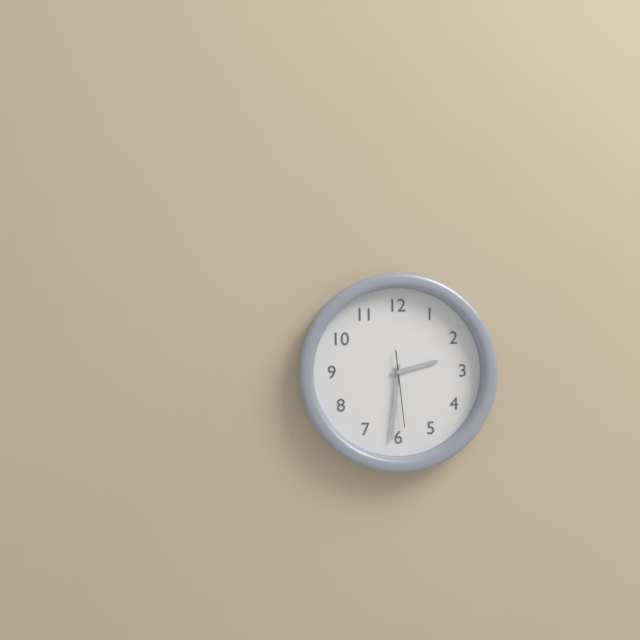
{"hour": 2, "minute": 31, "second": 29}
